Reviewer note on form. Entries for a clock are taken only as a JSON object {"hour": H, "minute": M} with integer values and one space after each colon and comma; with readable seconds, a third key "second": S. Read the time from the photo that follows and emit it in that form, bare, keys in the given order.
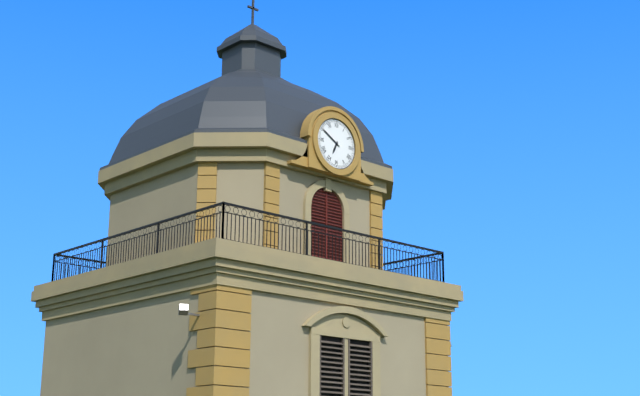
{"hour": 6, "minute": 50}
